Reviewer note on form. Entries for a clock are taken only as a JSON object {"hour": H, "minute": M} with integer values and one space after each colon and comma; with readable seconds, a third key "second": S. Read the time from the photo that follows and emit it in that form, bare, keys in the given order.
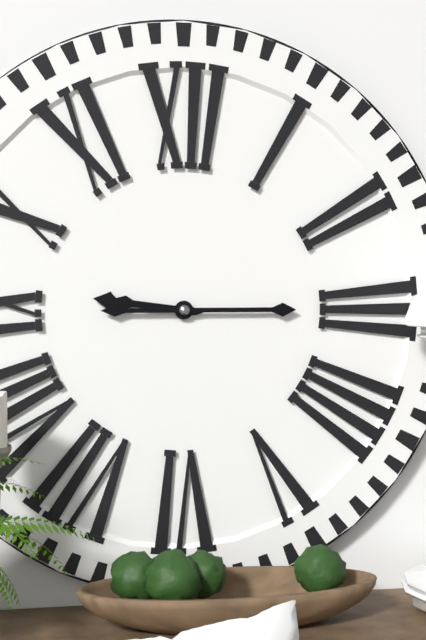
{"hour": 9, "minute": 15}
